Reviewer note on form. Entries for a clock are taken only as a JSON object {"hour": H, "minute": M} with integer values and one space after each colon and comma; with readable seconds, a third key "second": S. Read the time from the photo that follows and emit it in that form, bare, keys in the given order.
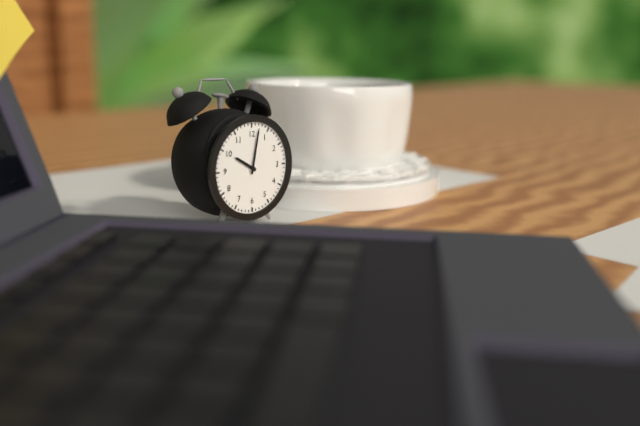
{"hour": 10, "minute": 2}
